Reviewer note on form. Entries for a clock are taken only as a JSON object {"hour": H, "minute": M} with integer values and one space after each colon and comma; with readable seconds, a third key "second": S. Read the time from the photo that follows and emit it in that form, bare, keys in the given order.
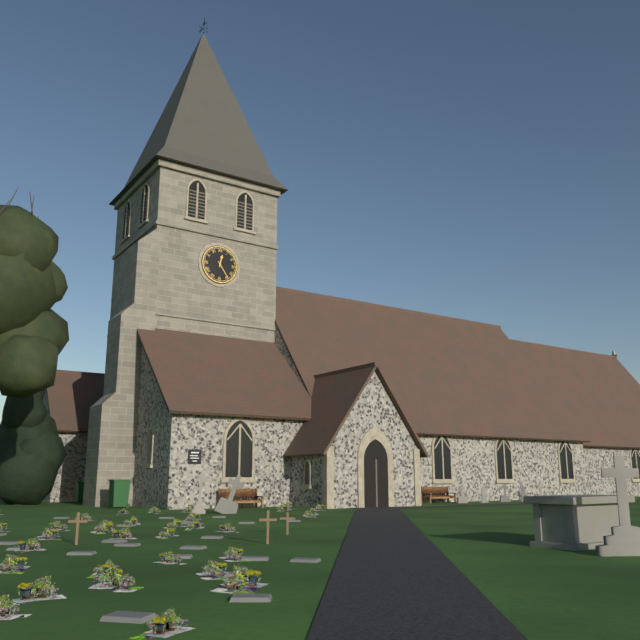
{"hour": 12, "minute": 24}
